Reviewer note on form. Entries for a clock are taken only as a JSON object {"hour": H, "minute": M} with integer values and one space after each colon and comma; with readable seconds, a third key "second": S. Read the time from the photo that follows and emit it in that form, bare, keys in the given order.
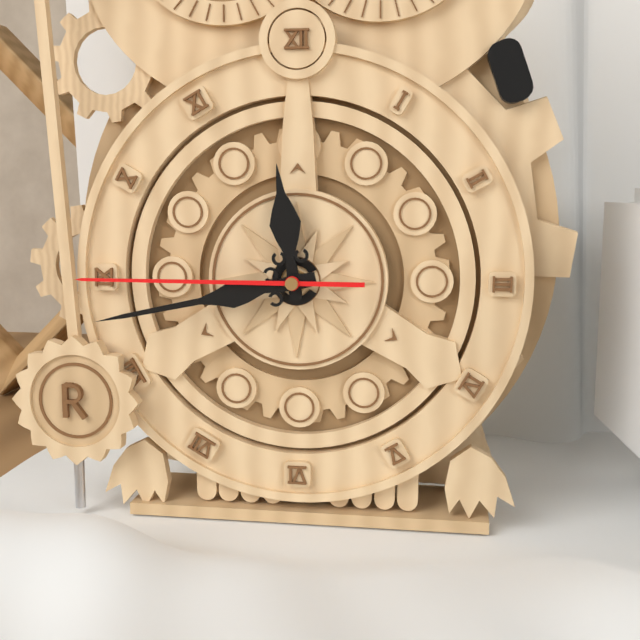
{"hour": 11, "minute": 43, "second": 45}
